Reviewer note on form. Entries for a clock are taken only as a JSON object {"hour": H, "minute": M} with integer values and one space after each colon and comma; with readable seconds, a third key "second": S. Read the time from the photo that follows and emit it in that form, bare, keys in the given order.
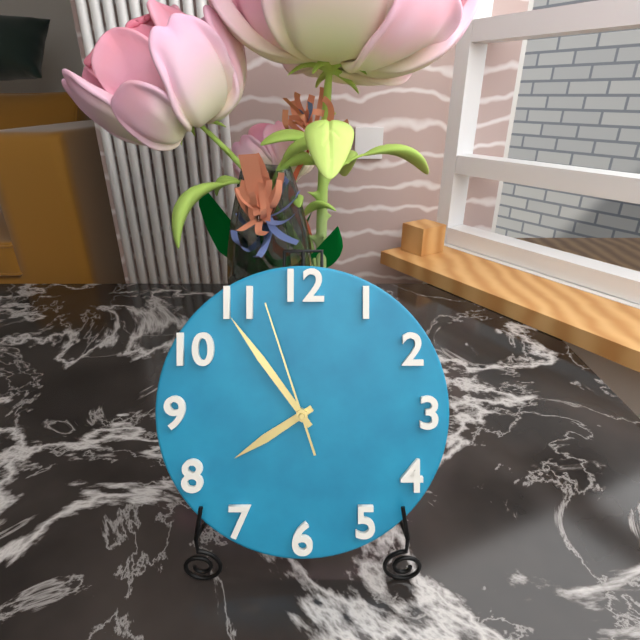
{"hour": 7, "minute": 54, "second": 57}
